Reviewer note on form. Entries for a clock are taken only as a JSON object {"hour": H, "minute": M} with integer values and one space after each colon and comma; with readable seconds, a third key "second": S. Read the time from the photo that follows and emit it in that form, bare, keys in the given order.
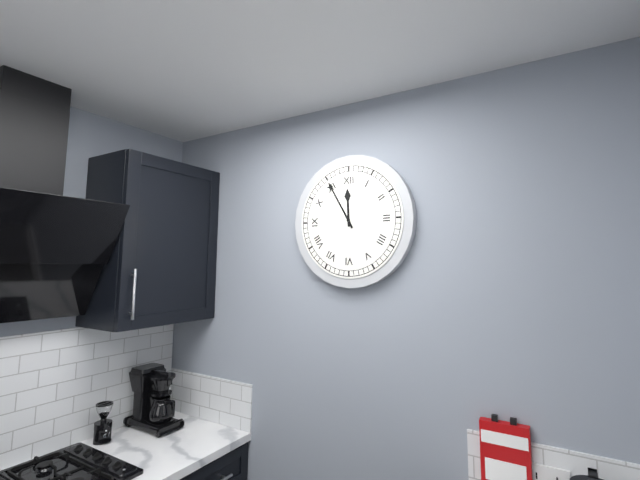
{"hour": 11, "minute": 55}
